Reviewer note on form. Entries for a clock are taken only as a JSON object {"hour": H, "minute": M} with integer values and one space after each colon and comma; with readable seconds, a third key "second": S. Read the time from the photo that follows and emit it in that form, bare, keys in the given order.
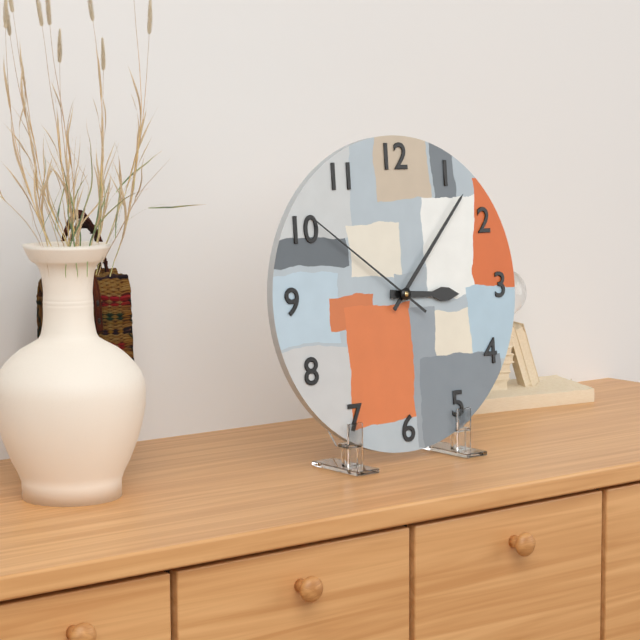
{"hour": 3, "minute": 7, "second": 51}
